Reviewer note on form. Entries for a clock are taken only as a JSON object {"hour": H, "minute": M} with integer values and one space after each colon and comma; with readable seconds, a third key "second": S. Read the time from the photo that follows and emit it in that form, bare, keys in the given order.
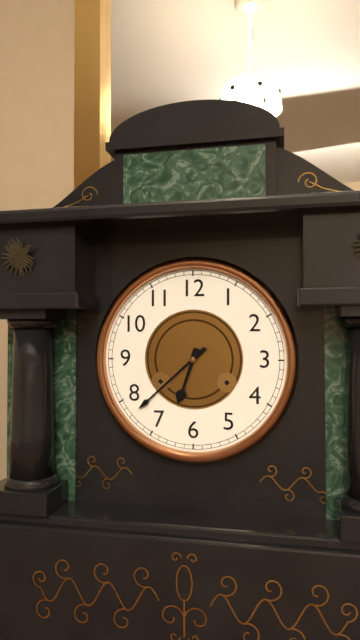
{"hour": 6, "minute": 38}
